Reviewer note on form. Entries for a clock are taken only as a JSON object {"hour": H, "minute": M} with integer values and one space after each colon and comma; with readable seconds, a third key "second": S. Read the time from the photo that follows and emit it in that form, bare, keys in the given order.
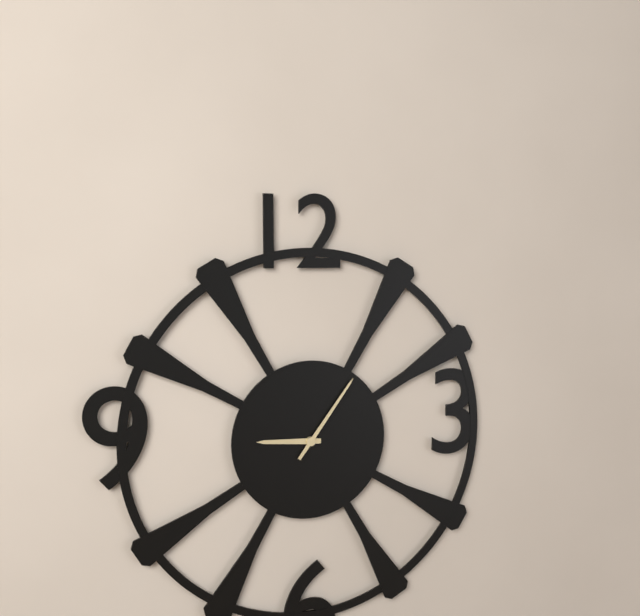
{"hour": 9, "minute": 6}
